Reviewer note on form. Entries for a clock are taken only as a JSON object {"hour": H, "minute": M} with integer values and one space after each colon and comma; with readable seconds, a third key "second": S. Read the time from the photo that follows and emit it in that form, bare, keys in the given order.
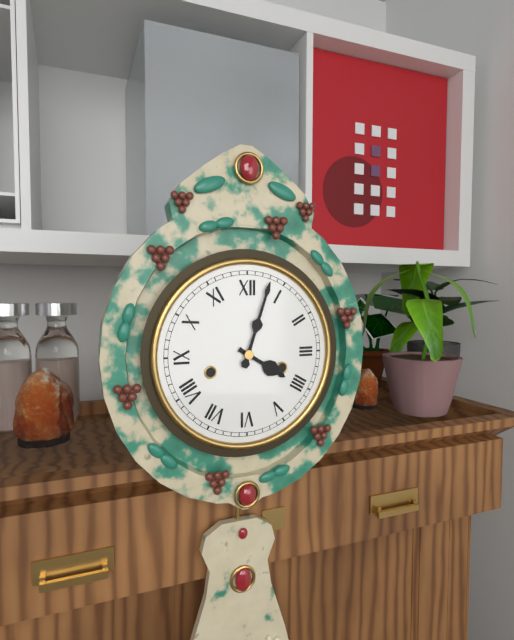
{"hour": 4, "minute": 3}
